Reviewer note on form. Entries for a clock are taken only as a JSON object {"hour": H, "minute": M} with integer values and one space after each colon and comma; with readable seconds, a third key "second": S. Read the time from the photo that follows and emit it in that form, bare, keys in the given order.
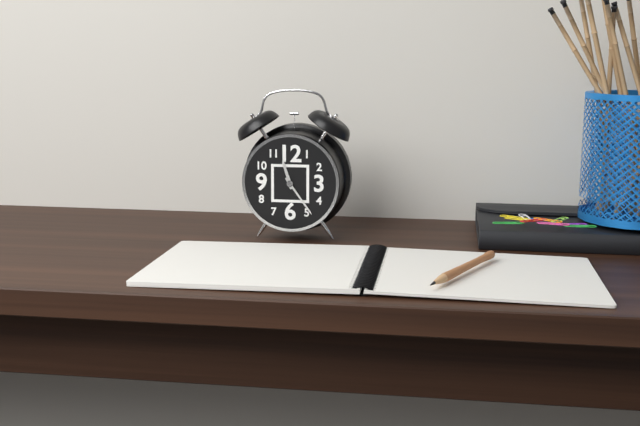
{"hour": 11, "minute": 24}
